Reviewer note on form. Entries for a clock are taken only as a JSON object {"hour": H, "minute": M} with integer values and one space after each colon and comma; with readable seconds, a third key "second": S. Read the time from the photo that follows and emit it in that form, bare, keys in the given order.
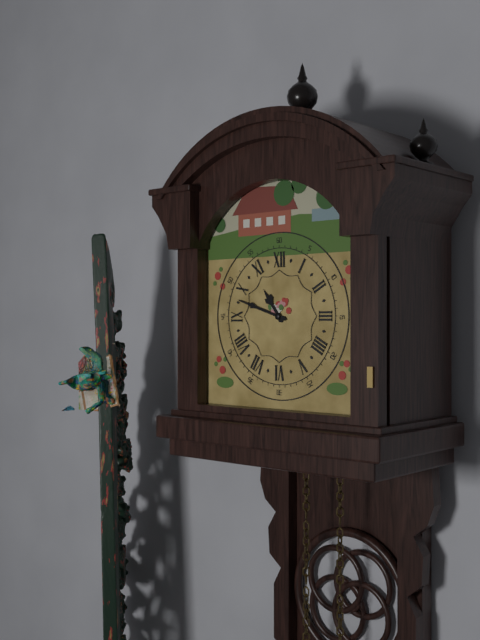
{"hour": 10, "minute": 48}
